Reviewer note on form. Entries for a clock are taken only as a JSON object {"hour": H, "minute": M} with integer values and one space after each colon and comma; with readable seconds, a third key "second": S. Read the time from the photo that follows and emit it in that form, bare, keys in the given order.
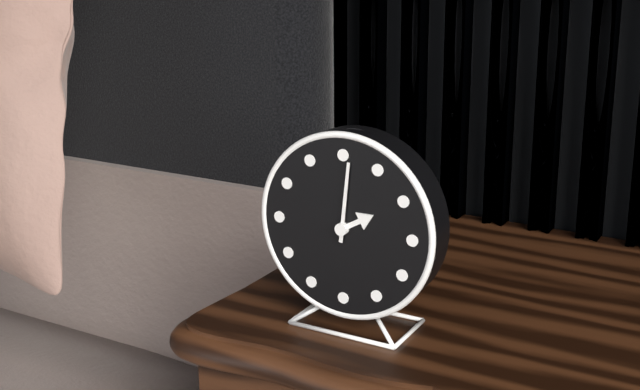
{"hour": 2, "minute": 1}
